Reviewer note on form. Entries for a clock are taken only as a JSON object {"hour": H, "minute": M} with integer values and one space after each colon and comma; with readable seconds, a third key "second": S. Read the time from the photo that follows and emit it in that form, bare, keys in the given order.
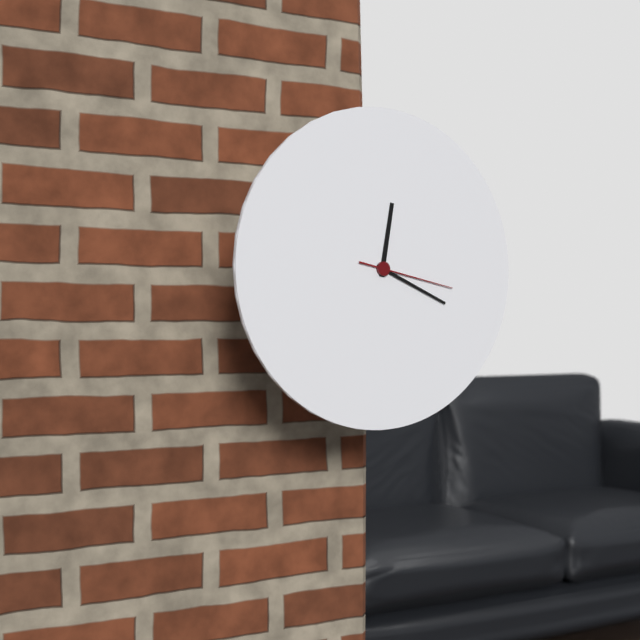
{"hour": 12, "minute": 19, "second": 17}
